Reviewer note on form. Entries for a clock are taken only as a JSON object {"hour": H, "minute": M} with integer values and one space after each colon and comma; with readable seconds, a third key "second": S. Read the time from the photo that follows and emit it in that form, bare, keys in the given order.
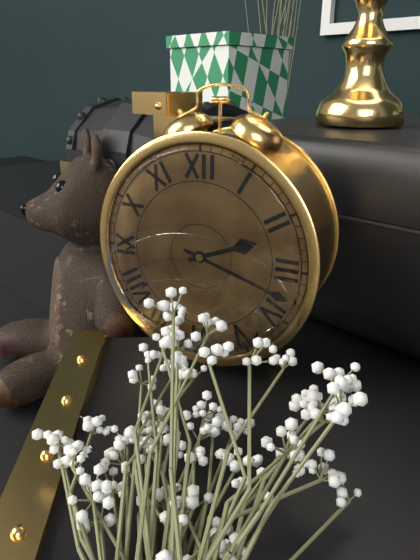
{"hour": 2, "minute": 18}
